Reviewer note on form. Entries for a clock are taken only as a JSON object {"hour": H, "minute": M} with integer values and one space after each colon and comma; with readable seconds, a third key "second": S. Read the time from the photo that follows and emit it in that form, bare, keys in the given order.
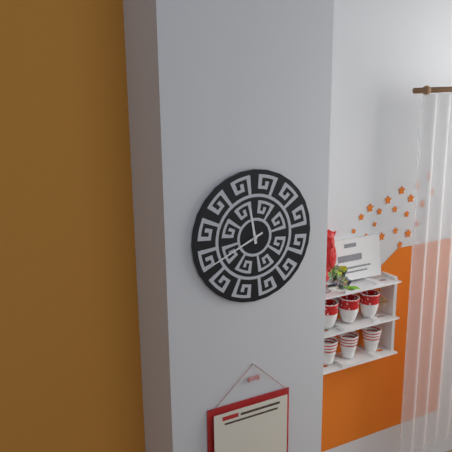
{"hour": 11, "minute": 41}
